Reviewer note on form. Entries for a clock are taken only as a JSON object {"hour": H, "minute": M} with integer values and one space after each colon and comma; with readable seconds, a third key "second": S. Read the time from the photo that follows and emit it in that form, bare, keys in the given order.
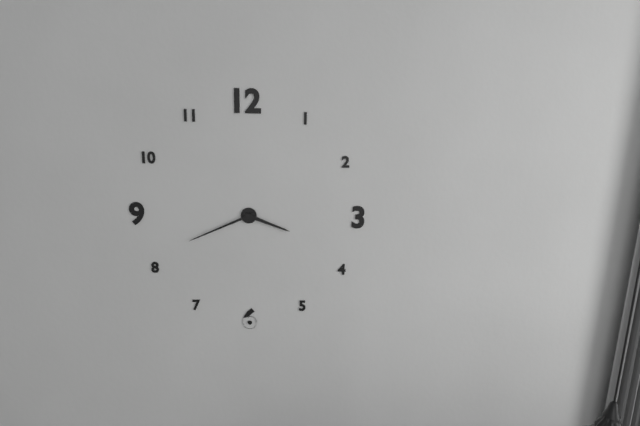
{"hour": 3, "minute": 41}
